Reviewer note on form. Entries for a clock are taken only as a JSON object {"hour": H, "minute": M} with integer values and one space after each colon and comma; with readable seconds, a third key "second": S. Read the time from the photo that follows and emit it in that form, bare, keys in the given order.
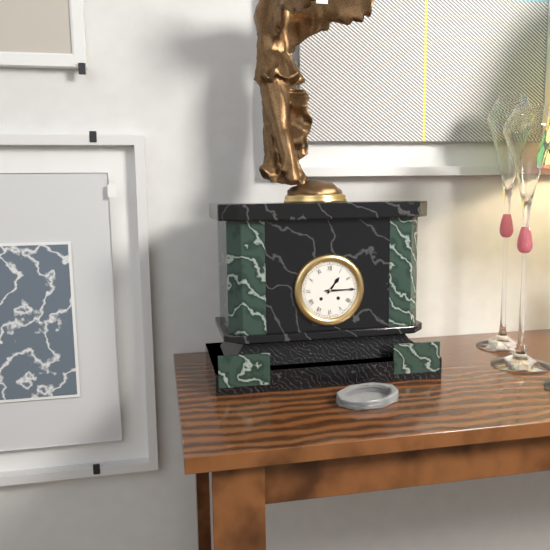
{"hour": 1, "minute": 15}
